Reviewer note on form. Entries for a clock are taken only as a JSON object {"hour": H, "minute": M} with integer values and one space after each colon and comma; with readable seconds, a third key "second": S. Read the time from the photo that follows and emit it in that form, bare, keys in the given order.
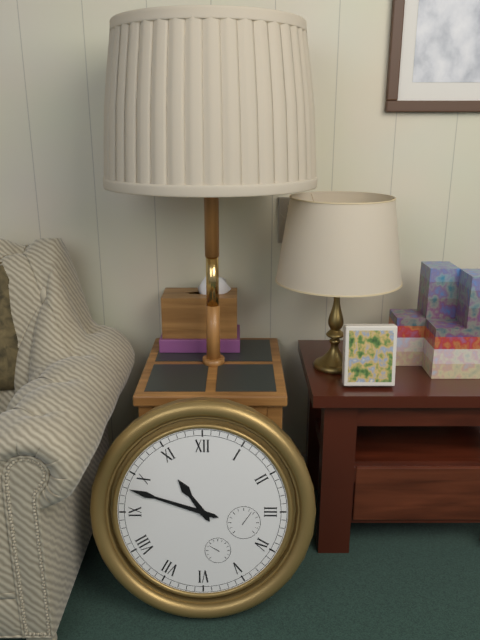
{"hour": 10, "minute": 48}
